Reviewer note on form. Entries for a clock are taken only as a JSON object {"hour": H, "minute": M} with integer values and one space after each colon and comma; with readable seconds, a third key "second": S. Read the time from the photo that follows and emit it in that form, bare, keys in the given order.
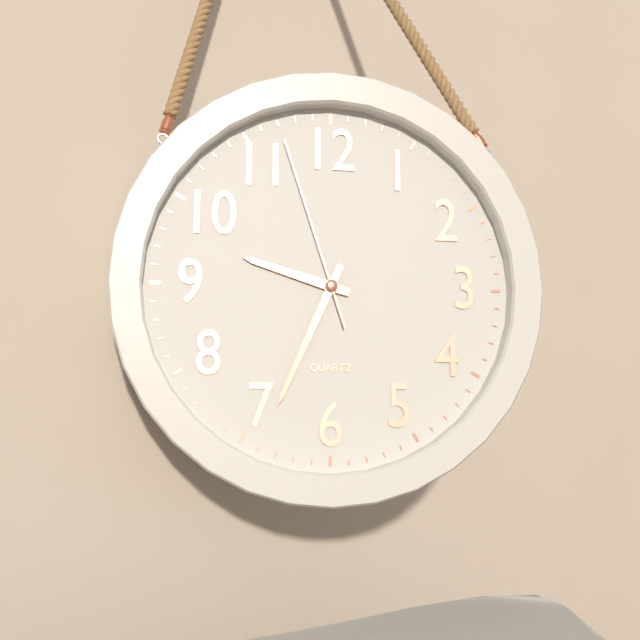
{"hour": 9, "minute": 34, "second": 57}
